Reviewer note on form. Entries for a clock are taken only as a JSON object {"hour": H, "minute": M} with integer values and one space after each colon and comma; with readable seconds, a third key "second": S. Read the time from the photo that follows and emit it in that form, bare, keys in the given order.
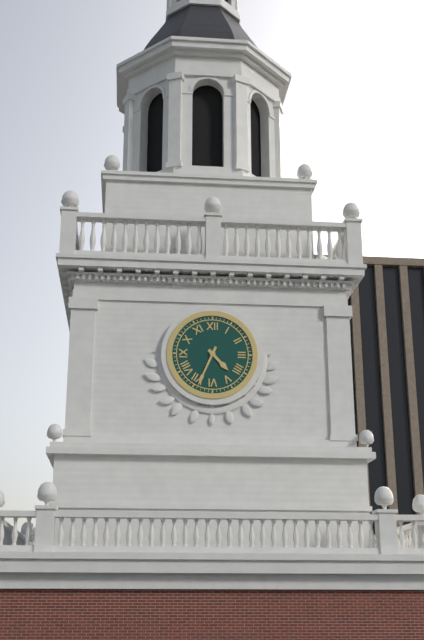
{"hour": 4, "minute": 34}
